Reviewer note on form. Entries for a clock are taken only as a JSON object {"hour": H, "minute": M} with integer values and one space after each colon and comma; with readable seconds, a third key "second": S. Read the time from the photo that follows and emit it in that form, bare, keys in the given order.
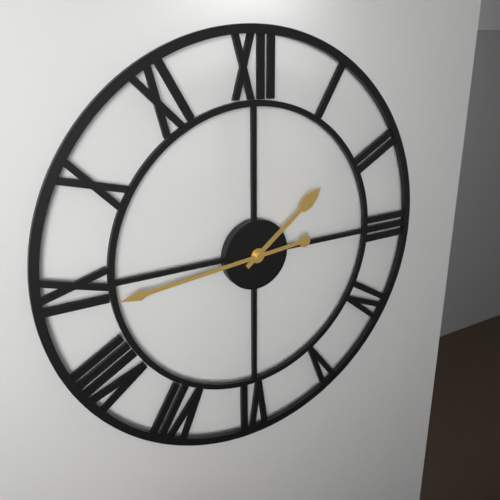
{"hour": 1, "minute": 44}
